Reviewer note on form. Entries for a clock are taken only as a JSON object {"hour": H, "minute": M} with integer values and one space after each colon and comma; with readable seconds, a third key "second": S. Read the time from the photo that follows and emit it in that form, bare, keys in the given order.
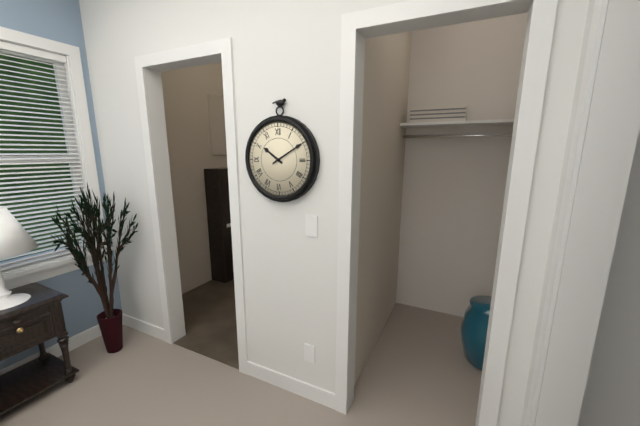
{"hour": 10, "minute": 10}
